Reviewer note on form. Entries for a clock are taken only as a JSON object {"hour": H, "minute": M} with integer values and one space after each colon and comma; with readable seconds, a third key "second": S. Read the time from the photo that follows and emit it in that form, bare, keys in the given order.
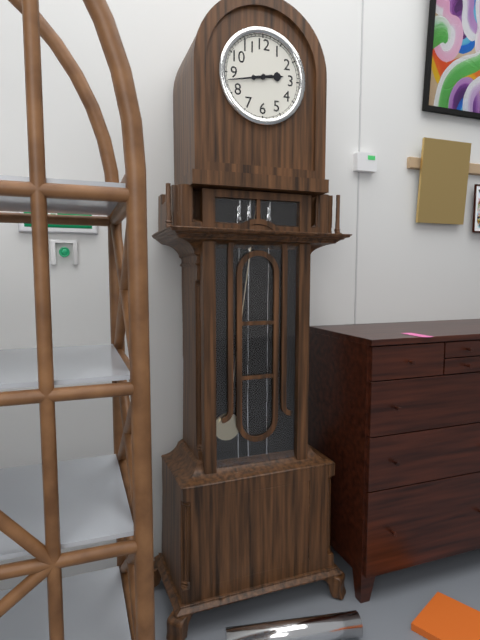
{"hour": 2, "minute": 43}
